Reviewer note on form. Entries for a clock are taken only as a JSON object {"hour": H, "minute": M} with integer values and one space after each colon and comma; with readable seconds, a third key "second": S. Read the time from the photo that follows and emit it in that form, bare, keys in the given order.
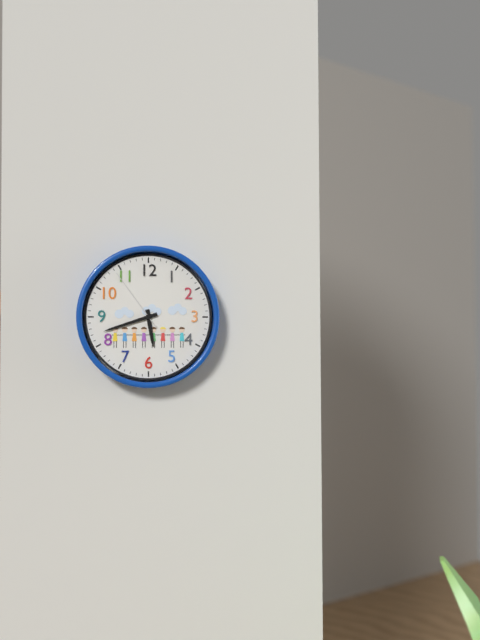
{"hour": 5, "minute": 42, "second": 54}
